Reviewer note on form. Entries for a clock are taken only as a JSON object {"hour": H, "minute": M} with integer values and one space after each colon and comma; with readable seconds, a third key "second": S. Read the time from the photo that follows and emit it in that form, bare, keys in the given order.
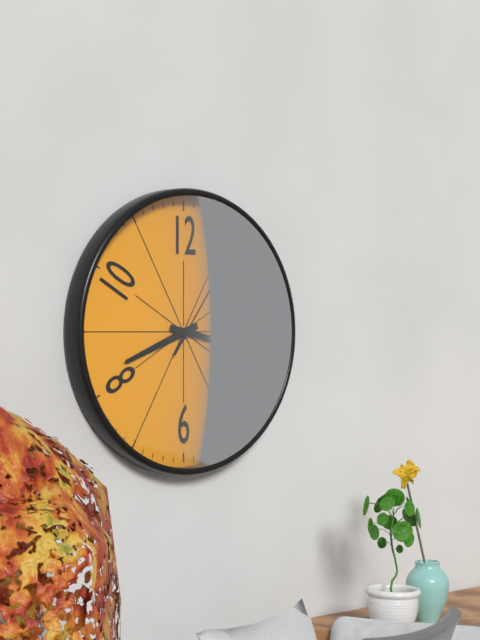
{"hour": 8, "minute": 17, "second": 6}
